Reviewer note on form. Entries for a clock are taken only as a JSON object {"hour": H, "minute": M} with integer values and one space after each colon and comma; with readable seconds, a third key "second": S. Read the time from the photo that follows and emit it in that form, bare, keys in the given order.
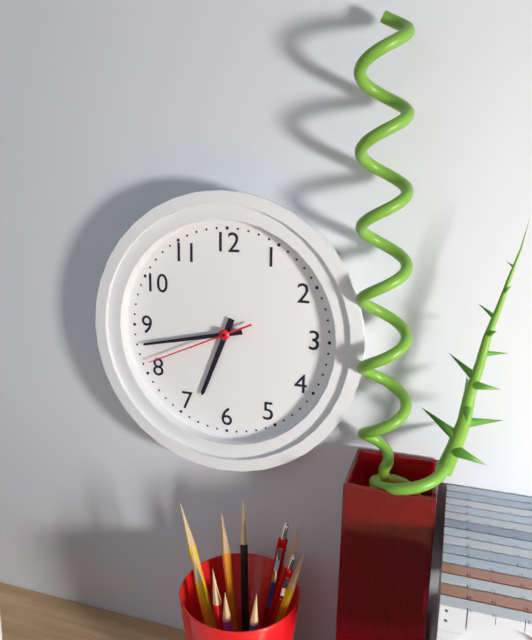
{"hour": 6, "minute": 43, "second": 41}
